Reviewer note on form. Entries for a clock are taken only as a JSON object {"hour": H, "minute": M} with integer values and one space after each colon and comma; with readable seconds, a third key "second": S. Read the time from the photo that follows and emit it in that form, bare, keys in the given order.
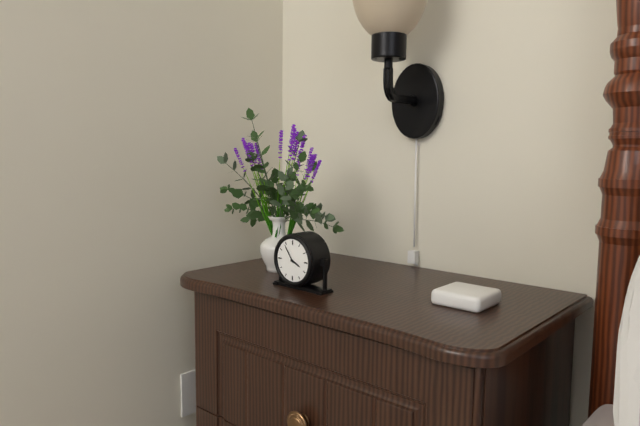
{"hour": 3, "minute": 54}
